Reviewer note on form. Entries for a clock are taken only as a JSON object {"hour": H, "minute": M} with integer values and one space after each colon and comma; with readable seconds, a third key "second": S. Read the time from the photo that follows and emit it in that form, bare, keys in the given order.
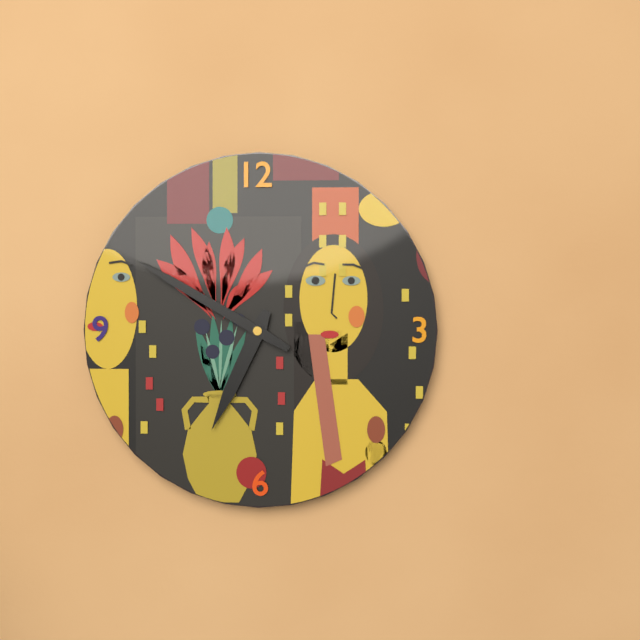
{"hour": 6, "minute": 50}
